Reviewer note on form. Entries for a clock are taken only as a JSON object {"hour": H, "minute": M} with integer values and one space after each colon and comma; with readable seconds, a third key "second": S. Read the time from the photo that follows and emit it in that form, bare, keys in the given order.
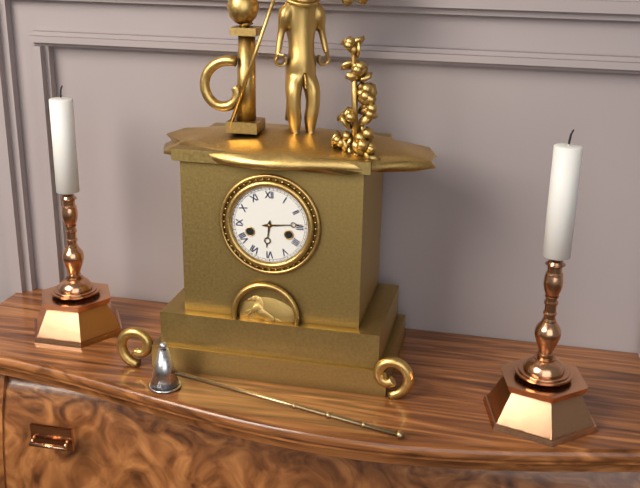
{"hour": 6, "minute": 14}
